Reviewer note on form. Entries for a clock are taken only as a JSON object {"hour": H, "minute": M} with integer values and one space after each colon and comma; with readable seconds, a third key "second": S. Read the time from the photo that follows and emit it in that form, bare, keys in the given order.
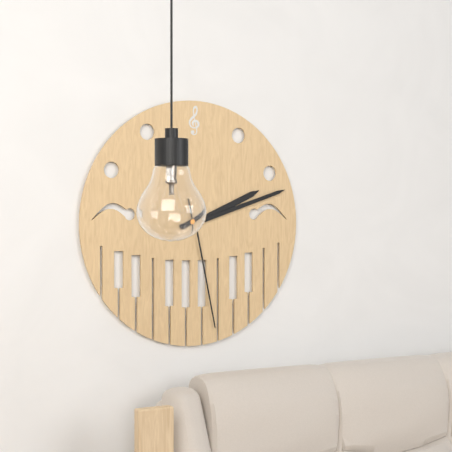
{"hour": 2, "minute": 12, "second": 28}
